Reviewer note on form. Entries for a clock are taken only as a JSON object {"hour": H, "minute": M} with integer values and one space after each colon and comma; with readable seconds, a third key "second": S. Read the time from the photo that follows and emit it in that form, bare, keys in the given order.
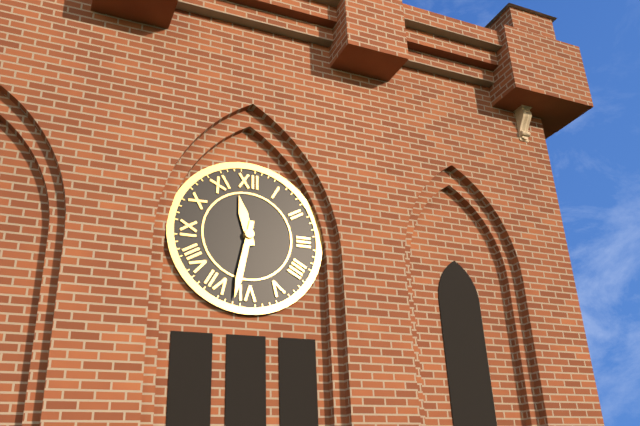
{"hour": 11, "minute": 32}
